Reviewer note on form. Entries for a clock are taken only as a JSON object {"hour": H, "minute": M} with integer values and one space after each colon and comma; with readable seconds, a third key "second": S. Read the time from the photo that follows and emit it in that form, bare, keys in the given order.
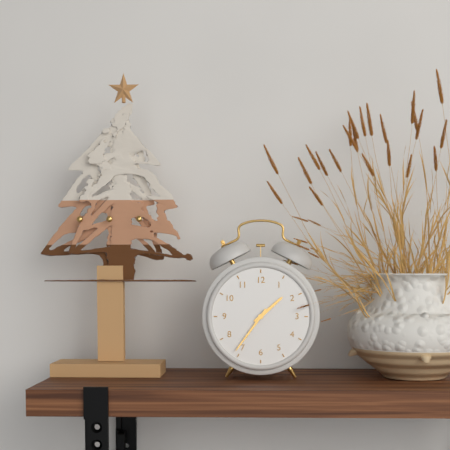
{"hour": 1, "minute": 36}
